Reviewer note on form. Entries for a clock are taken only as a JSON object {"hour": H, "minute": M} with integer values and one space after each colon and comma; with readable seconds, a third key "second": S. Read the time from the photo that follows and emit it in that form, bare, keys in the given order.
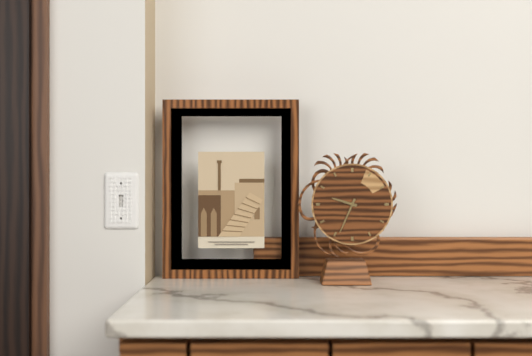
{"hour": 9, "minute": 34}
